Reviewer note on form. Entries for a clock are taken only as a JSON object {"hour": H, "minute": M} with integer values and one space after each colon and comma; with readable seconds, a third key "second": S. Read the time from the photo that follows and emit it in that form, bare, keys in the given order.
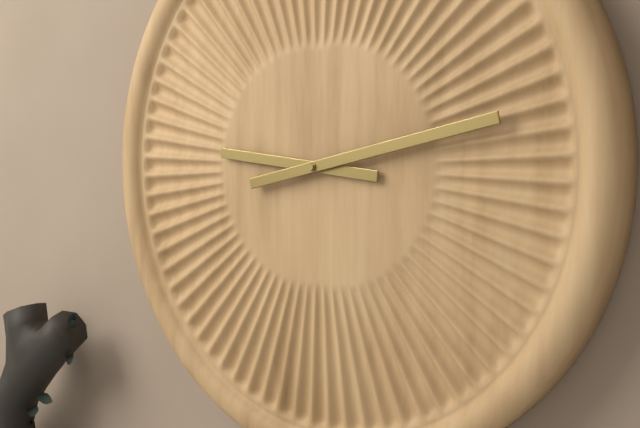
{"hour": 9, "minute": 13}
